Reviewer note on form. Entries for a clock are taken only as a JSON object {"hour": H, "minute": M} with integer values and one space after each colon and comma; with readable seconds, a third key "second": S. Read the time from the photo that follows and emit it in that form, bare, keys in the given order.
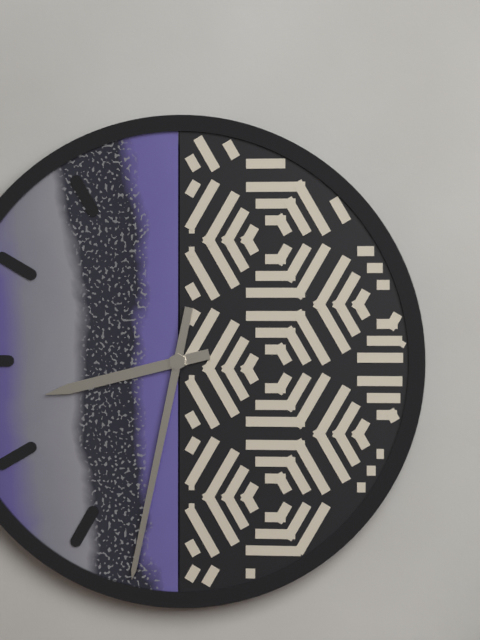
{"hour": 8, "minute": 32}
